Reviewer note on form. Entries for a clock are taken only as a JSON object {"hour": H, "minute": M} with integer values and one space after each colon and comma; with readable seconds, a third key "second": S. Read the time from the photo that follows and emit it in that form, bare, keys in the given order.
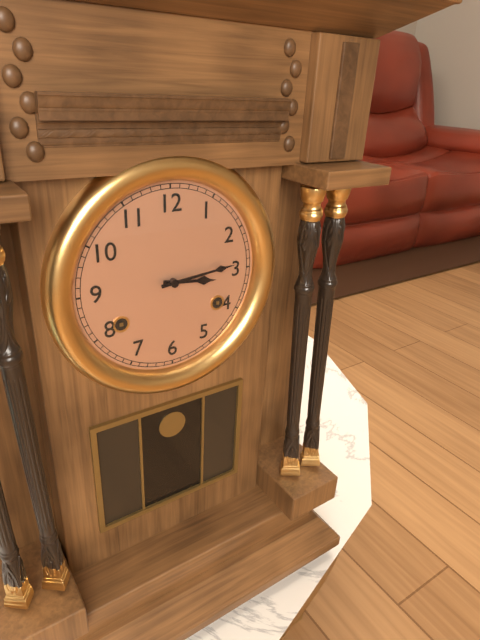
{"hour": 3, "minute": 14}
